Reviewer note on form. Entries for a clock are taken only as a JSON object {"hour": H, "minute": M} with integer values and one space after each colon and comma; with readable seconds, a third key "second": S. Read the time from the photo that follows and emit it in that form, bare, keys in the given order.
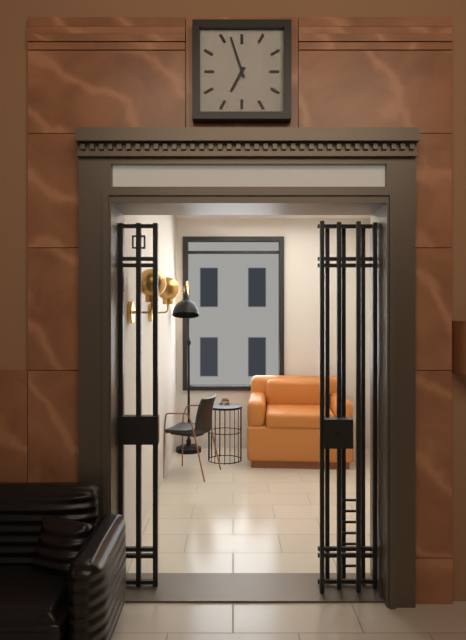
{"hour": 6, "minute": 57}
